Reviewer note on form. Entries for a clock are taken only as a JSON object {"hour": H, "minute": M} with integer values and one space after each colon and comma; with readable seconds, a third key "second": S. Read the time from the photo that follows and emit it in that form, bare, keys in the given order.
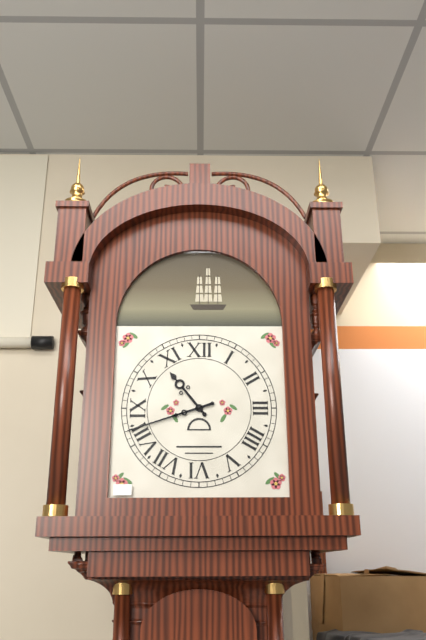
{"hour": 10, "minute": 42}
